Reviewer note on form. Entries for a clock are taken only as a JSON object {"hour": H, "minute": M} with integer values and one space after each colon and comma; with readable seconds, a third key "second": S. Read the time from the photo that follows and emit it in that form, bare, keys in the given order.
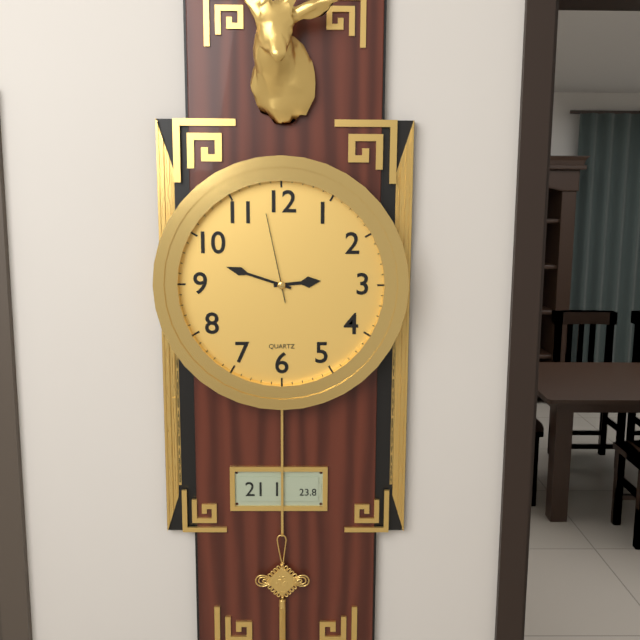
{"hour": 2, "minute": 48, "second": 58}
